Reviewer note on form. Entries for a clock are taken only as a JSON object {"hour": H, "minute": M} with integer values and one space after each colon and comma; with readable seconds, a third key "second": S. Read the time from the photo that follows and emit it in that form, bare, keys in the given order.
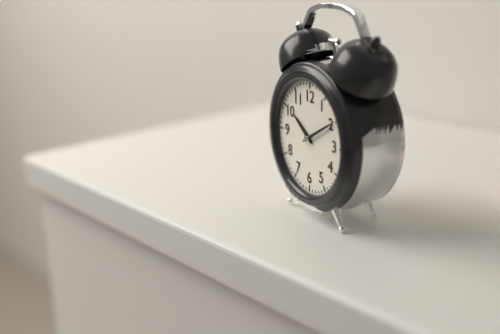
{"hour": 10, "minute": 10}
